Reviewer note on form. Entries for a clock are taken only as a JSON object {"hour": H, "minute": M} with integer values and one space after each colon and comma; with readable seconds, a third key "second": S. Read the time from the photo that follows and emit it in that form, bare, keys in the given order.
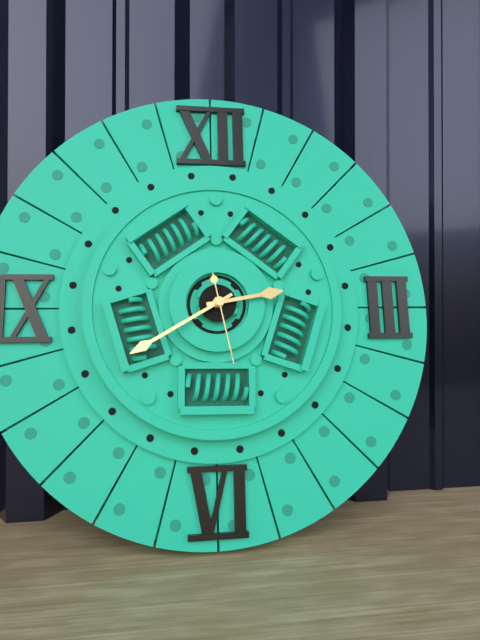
{"hour": 2, "minute": 40, "second": 28}
